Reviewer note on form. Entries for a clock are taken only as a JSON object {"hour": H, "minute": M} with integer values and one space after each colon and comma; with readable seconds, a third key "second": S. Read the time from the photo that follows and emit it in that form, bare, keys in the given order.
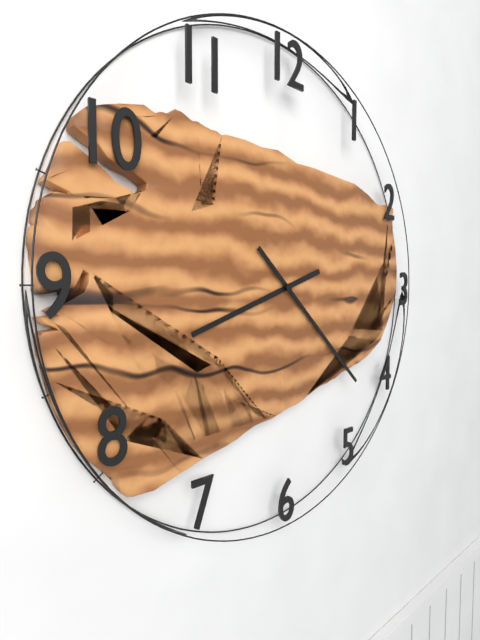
{"hour": 8, "minute": 22}
